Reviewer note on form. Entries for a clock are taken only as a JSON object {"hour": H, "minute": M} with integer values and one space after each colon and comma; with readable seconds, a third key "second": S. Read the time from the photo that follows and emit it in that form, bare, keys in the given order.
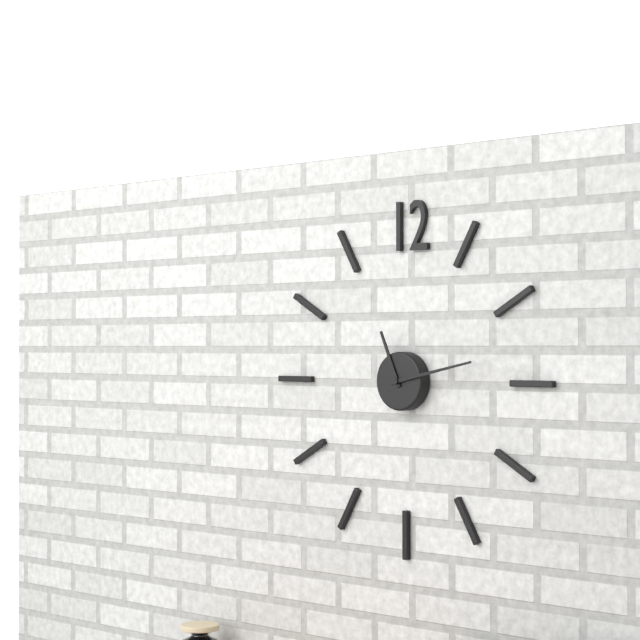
{"hour": 11, "minute": 13}
